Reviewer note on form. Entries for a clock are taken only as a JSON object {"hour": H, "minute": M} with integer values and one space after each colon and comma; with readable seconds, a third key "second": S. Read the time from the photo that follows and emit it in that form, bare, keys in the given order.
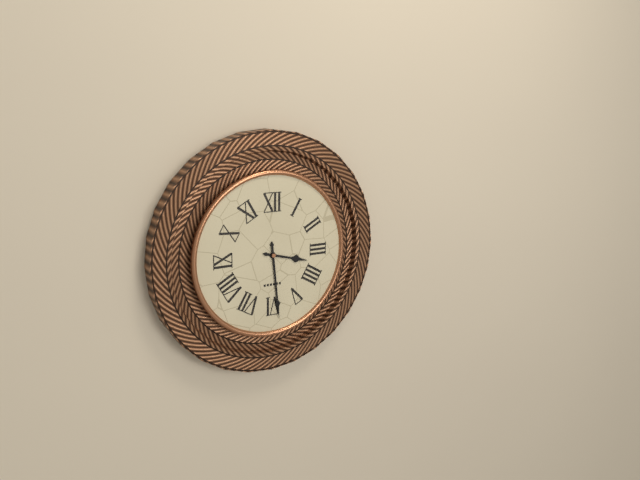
{"hour": 3, "minute": 29}
